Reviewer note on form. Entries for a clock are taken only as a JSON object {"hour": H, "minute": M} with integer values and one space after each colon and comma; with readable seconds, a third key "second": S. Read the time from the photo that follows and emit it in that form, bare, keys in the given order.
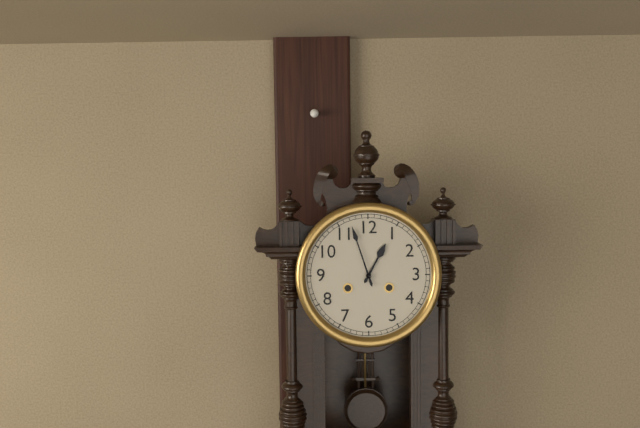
{"hour": 12, "minute": 57}
